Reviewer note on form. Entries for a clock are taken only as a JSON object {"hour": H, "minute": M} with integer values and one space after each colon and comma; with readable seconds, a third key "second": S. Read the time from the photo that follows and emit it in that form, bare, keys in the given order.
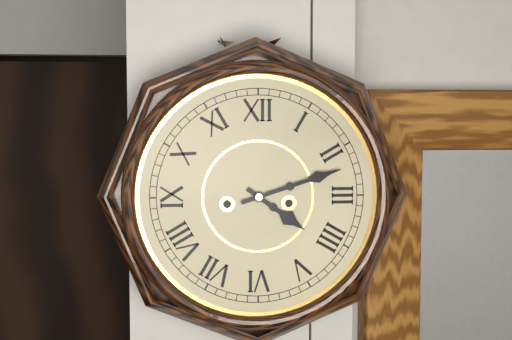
{"hour": 4, "minute": 12}
